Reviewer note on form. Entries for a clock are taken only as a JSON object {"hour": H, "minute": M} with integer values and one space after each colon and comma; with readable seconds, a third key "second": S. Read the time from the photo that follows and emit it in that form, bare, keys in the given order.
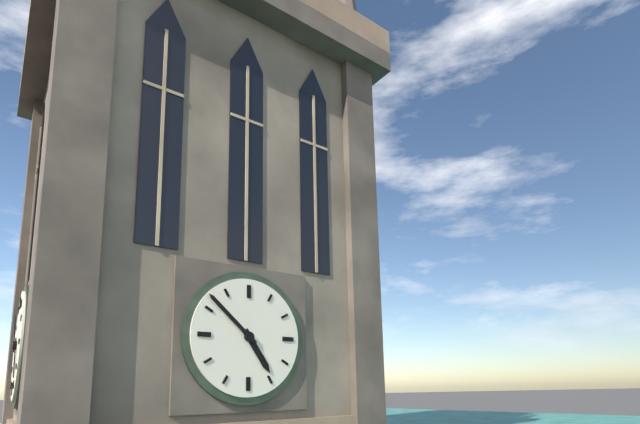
{"hour": 4, "minute": 52}
